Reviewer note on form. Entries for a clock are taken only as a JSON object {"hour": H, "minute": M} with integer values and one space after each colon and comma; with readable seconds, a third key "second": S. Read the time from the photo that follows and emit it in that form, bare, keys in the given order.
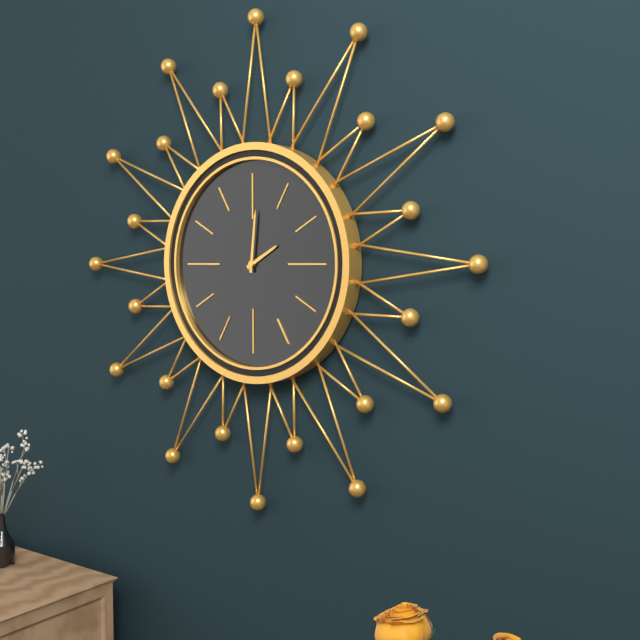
{"hour": 2, "minute": 1}
